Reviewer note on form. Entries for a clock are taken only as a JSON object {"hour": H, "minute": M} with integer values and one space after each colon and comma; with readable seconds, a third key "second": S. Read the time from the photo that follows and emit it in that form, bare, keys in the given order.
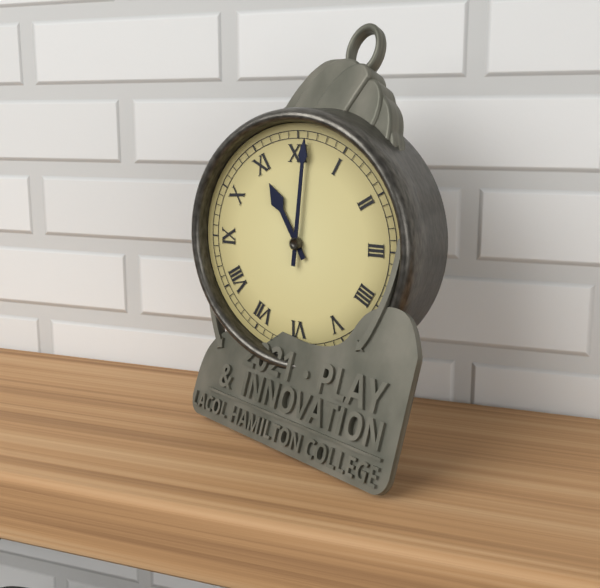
{"hour": 11, "minute": 1}
